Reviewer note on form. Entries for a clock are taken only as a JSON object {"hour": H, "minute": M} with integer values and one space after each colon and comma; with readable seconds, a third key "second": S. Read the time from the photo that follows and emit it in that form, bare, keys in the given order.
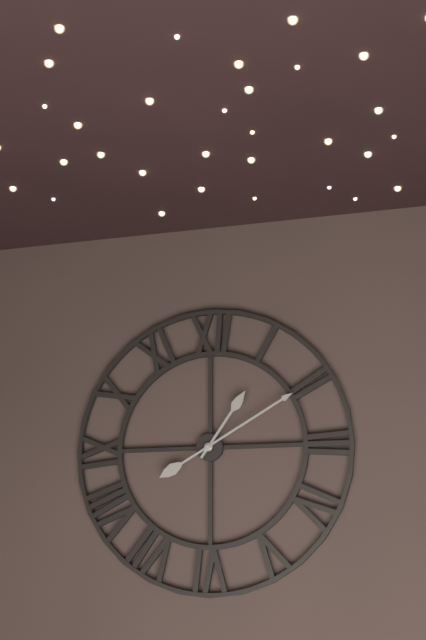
{"hour": 1, "minute": 10}
